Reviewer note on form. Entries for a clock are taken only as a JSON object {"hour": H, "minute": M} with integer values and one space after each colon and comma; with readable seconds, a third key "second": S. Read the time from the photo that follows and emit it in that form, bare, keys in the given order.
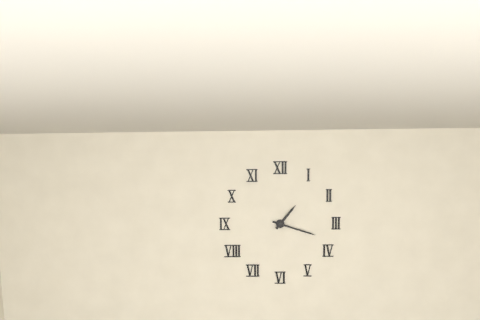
{"hour": 1, "minute": 18}
